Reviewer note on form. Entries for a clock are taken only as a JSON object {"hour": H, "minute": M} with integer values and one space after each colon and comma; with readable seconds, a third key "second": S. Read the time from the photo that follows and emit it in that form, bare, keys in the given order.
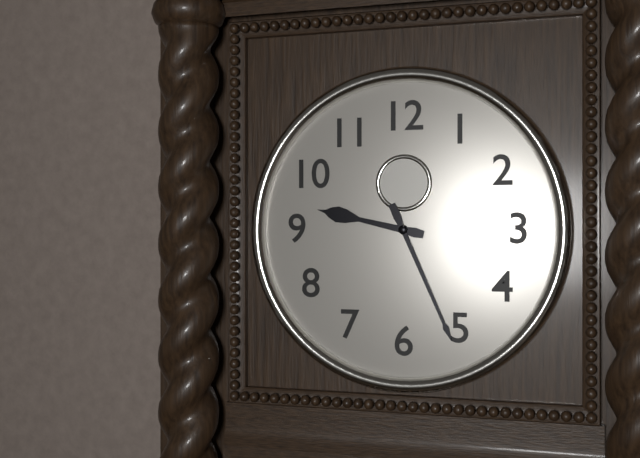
{"hour": 9, "minute": 26}
